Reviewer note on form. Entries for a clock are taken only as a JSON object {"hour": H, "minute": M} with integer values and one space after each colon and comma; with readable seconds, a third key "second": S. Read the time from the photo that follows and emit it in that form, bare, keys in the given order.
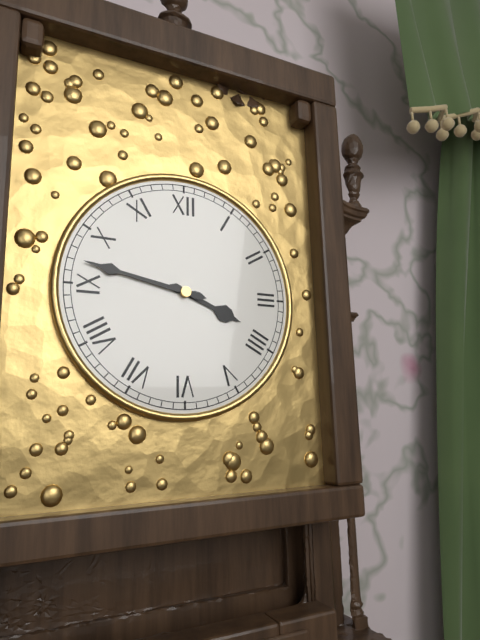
{"hour": 3, "minute": 47}
